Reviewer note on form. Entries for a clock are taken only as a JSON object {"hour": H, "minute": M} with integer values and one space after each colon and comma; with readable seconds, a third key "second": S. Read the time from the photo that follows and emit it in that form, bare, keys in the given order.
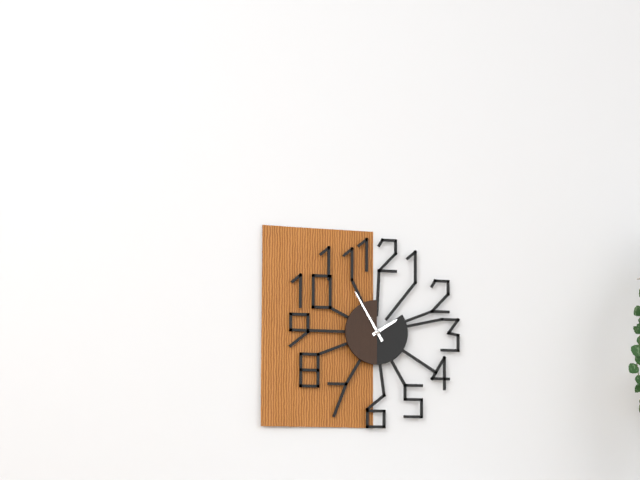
{"hour": 1, "minute": 55}
